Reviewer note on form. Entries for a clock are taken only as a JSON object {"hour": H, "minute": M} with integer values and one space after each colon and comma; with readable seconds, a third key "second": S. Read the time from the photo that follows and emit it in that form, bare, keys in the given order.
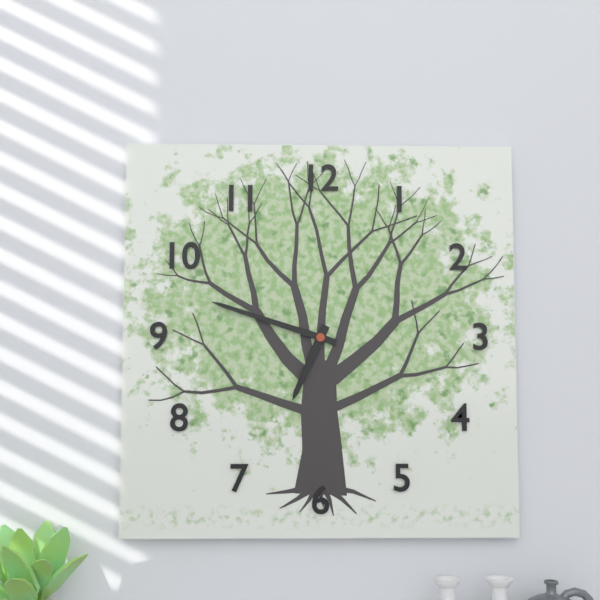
{"hour": 6, "minute": 48}
